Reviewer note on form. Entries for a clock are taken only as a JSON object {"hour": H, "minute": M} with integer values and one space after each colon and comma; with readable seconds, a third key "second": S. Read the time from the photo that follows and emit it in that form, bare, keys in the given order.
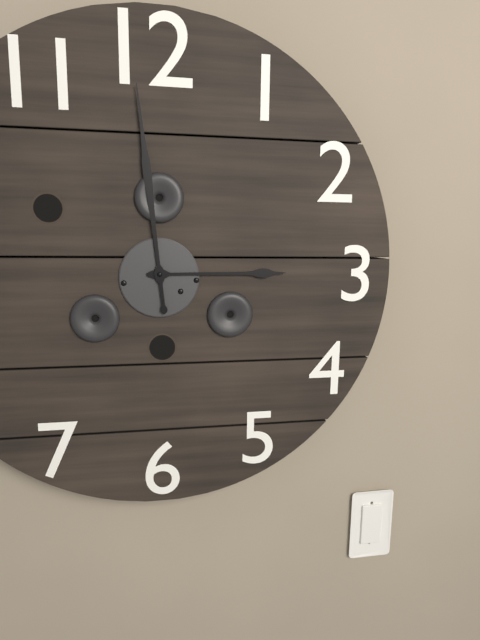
{"hour": 2, "minute": 59}
